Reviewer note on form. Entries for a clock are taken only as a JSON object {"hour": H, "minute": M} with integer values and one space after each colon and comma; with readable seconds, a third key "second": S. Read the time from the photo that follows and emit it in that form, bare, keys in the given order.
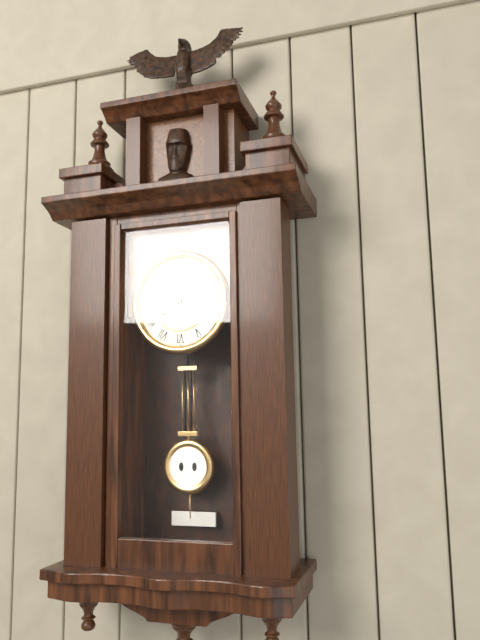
{"hour": 6, "minute": 59}
